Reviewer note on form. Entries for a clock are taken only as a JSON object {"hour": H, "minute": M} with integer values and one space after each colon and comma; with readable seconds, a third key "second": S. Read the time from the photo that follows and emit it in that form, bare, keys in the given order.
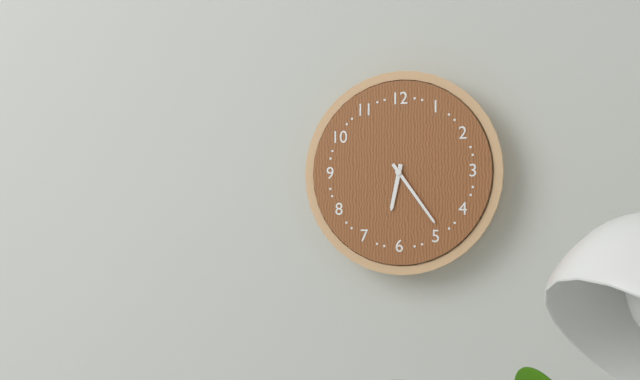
{"hour": 6, "minute": 24}
